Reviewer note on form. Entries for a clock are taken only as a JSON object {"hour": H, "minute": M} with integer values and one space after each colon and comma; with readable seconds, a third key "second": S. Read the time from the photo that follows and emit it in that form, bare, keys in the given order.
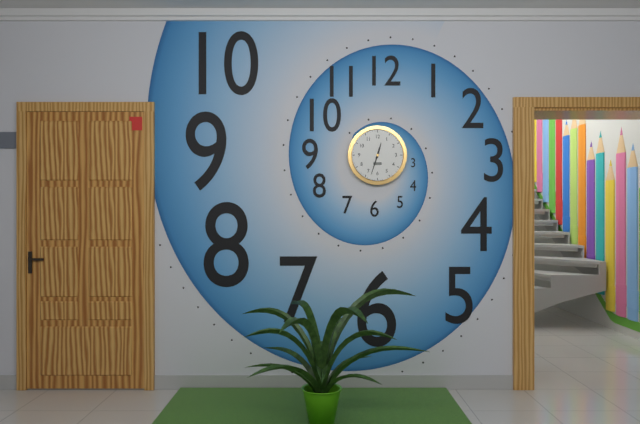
{"hour": 12, "minute": 33}
